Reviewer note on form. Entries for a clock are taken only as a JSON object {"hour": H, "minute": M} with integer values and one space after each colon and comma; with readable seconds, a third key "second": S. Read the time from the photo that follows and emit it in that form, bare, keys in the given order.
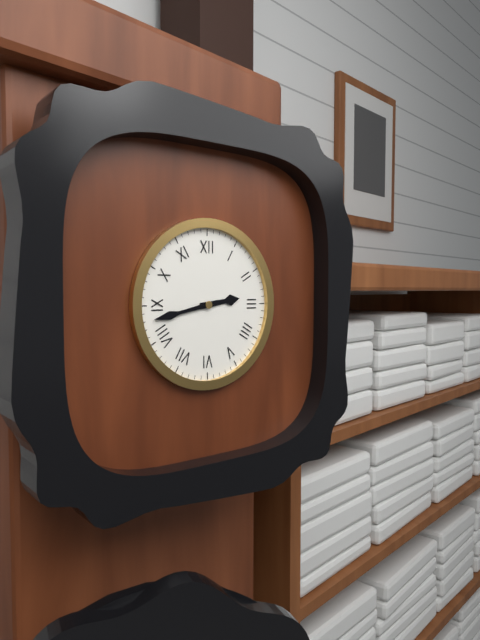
{"hour": 2, "minute": 43}
